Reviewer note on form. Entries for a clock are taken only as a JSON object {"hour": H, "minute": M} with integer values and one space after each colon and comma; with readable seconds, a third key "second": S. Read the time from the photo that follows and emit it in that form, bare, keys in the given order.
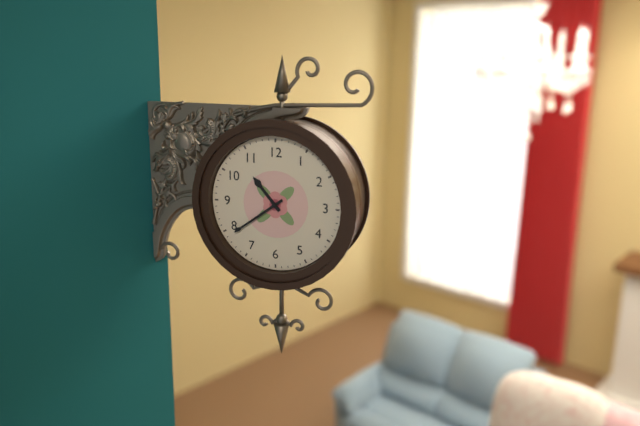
{"hour": 10, "minute": 39}
